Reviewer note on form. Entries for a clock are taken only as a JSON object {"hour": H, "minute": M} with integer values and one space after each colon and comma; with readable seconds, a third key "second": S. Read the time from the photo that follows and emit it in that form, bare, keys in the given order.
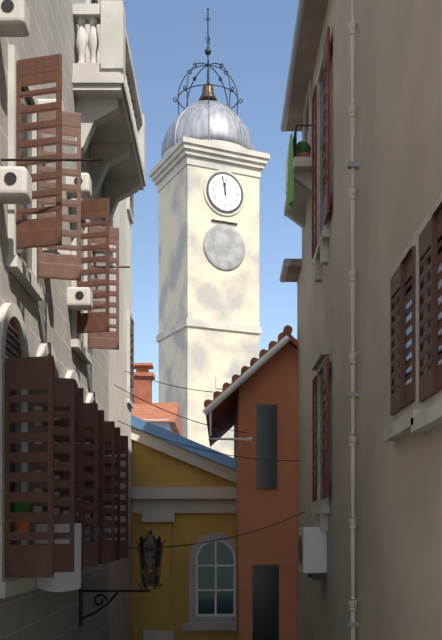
{"hour": 11, "minute": 58}
